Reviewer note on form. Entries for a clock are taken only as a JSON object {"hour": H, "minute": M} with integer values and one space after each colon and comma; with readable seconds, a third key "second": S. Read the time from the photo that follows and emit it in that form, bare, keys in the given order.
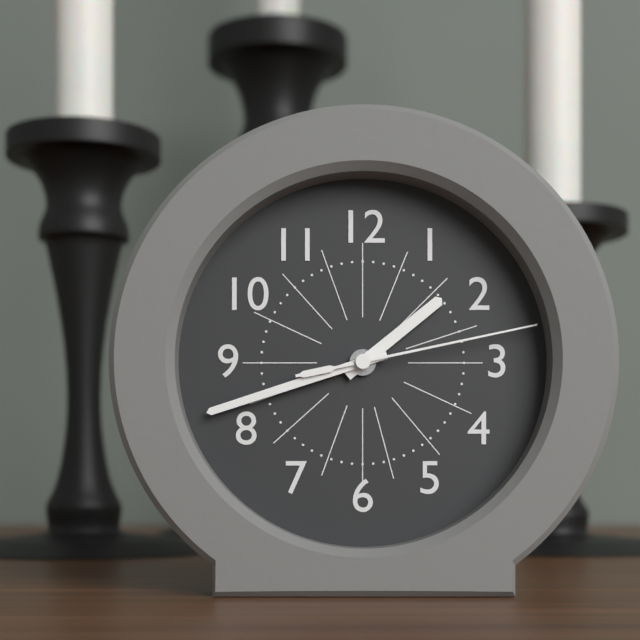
{"hour": 1, "minute": 42, "second": 13}
